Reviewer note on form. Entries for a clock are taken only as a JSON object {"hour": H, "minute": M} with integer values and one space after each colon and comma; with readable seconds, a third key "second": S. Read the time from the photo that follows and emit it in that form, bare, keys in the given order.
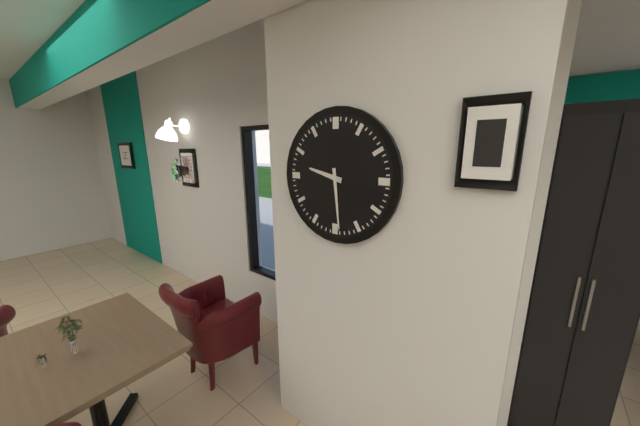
{"hour": 9, "minute": 29}
